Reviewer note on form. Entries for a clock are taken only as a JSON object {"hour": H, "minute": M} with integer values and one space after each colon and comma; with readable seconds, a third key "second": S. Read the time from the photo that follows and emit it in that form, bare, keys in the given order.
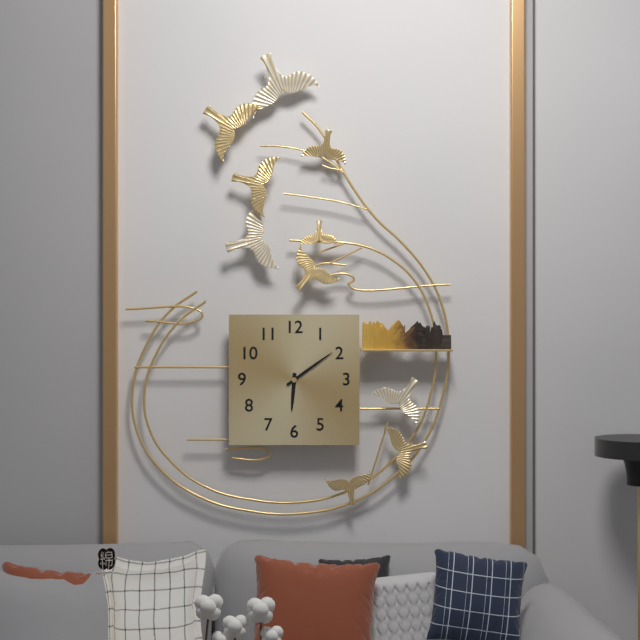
{"hour": 6, "minute": 9}
